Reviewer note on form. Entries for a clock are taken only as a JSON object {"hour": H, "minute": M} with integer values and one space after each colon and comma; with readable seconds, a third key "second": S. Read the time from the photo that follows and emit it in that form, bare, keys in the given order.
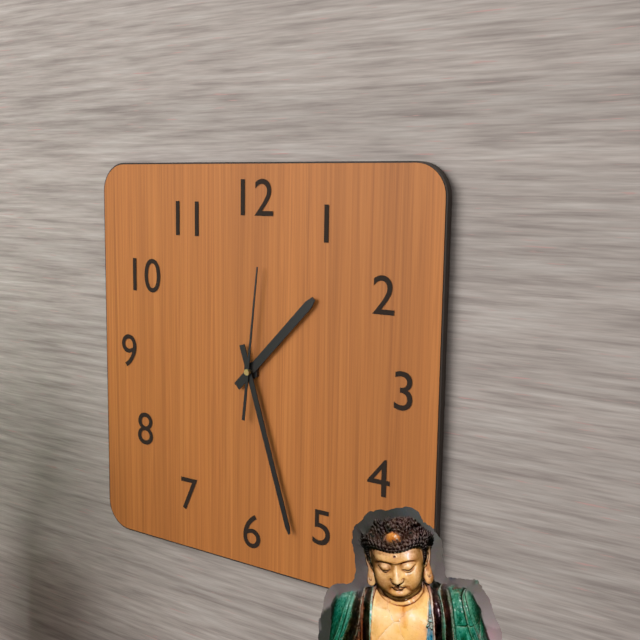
{"hour": 1, "minute": 27, "second": 1}
